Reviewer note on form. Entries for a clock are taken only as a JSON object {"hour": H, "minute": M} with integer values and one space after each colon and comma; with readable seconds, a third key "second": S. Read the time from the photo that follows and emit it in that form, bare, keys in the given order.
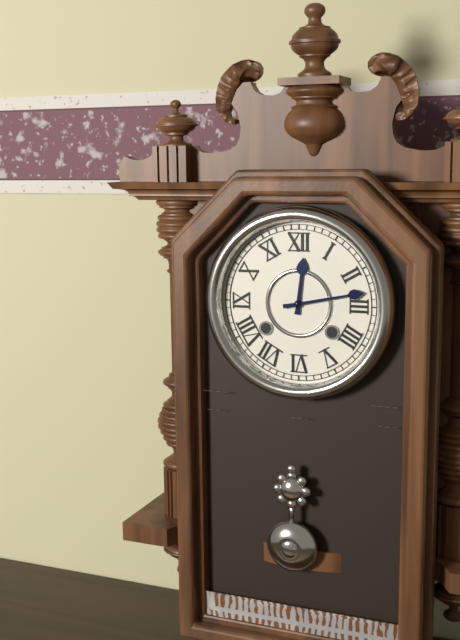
{"hour": 12, "minute": 13}
